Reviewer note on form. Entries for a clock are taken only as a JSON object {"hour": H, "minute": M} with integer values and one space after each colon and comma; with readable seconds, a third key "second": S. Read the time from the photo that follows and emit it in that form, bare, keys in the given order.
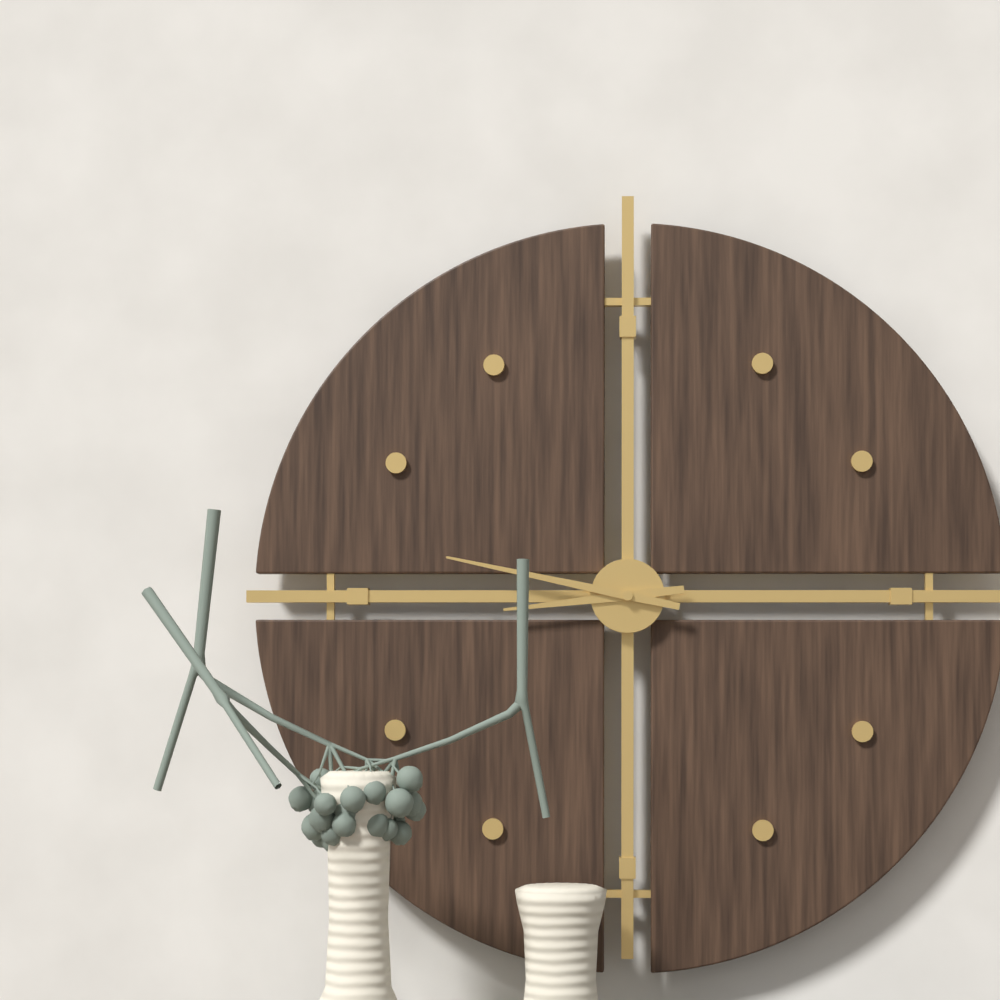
{"hour": 8, "minute": 47}
